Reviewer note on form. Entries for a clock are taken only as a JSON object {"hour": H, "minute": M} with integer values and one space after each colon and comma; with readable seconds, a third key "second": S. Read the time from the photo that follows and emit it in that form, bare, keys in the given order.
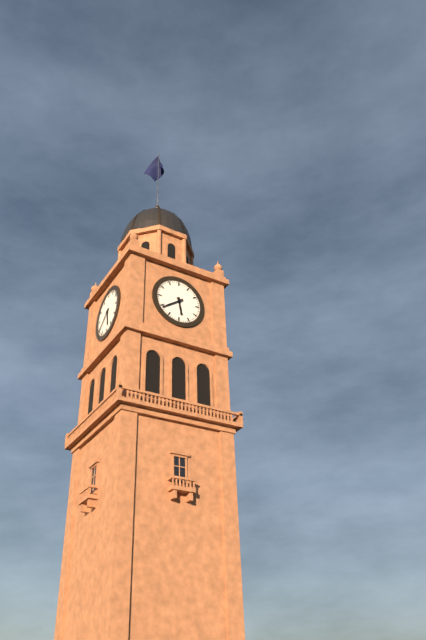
{"hour": 5, "minute": 39}
